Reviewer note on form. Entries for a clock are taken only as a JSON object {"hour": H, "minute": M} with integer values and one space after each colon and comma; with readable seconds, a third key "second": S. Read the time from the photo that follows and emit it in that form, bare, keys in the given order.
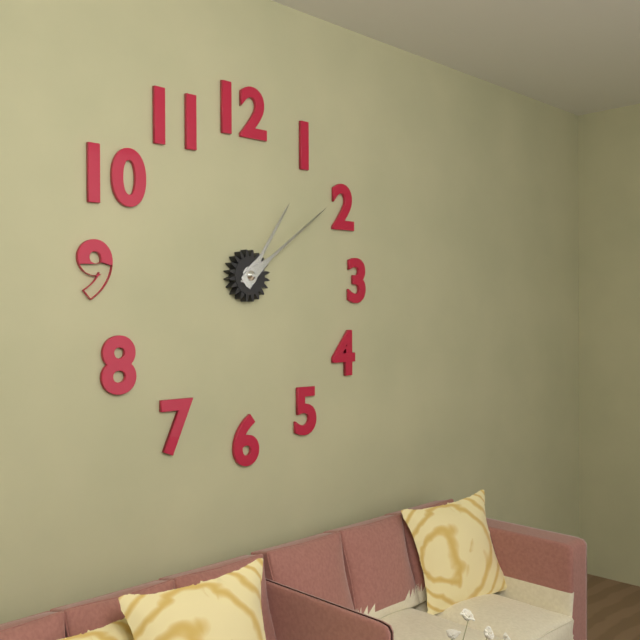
{"hour": 1, "minute": 9}
